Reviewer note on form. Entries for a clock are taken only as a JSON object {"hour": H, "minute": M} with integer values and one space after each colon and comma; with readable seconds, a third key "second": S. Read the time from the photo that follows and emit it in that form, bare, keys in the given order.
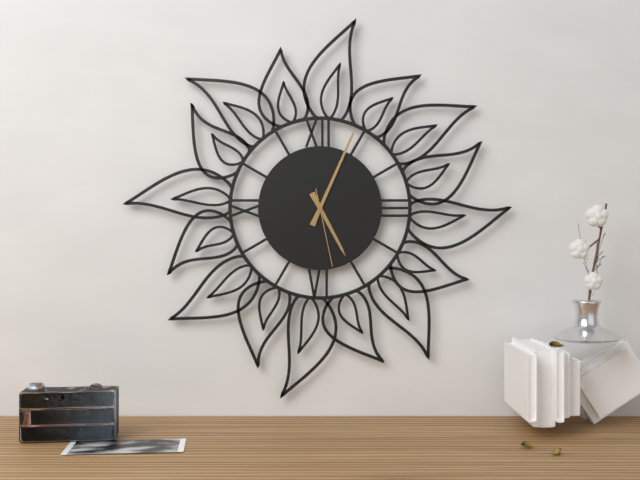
{"hour": 5, "minute": 4, "second": 28}
